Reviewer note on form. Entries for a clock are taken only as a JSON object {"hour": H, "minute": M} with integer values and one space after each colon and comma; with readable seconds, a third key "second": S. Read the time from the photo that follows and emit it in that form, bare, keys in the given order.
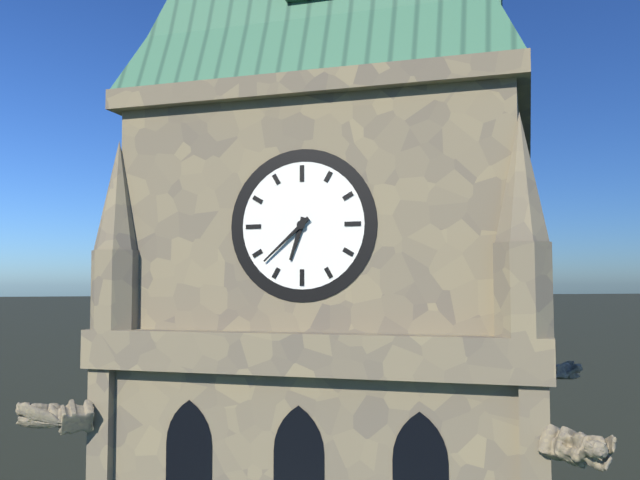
{"hour": 6, "minute": 38}
